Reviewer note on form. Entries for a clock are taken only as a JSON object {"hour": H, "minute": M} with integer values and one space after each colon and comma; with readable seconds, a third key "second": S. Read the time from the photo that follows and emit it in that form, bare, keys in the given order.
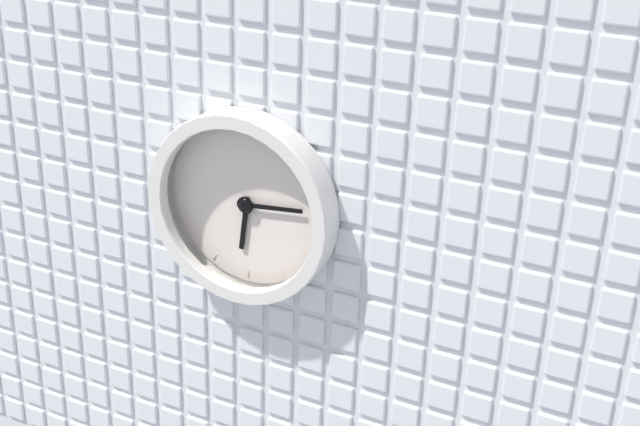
{"hour": 6, "minute": 14}
